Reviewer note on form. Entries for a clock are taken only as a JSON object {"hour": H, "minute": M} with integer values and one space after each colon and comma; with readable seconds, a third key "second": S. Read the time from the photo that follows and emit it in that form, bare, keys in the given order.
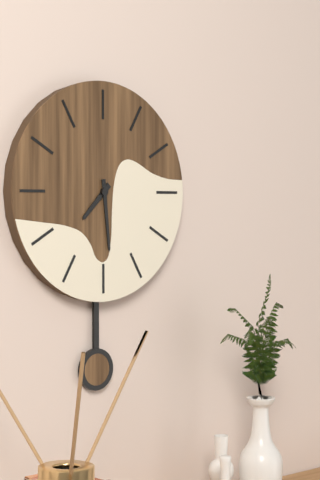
{"hour": 7, "minute": 29}
